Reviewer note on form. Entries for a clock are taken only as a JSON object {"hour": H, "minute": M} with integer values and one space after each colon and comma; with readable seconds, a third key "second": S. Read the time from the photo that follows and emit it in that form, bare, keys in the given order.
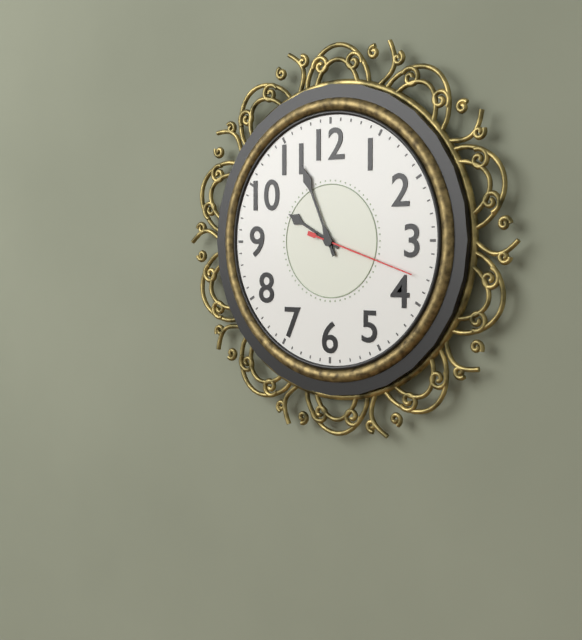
{"hour": 9, "minute": 56, "second": 18}
